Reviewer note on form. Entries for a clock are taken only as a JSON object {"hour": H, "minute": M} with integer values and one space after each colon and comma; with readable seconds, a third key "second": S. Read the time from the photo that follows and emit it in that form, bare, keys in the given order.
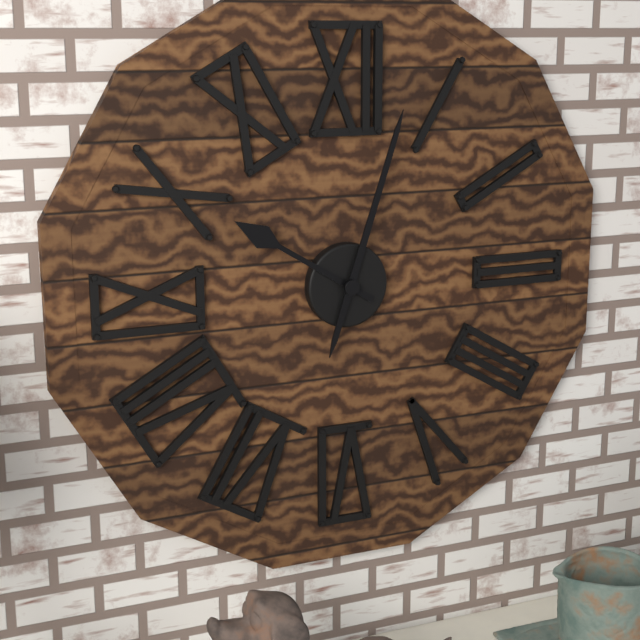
{"hour": 10, "minute": 3}
